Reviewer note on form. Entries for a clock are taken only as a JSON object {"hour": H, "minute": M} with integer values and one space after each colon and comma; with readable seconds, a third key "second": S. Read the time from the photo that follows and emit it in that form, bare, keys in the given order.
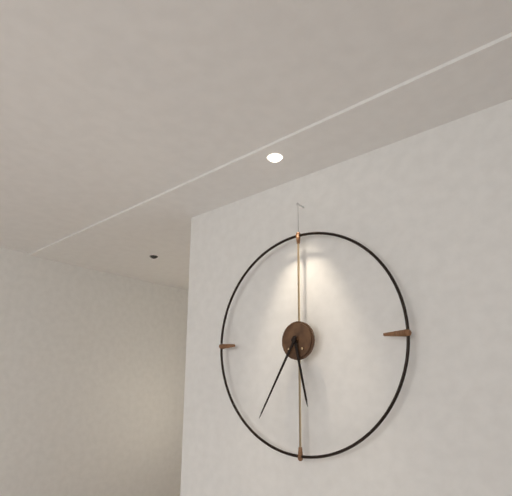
{"hour": 5, "minute": 35}
